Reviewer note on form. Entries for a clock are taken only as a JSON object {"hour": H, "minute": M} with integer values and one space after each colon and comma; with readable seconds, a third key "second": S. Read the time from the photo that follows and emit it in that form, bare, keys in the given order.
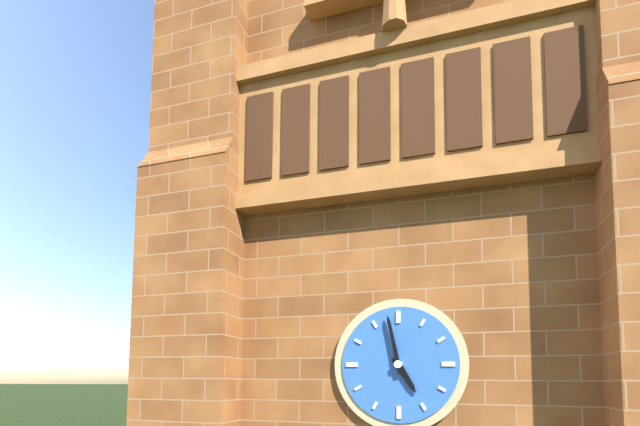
{"hour": 4, "minute": 58}
